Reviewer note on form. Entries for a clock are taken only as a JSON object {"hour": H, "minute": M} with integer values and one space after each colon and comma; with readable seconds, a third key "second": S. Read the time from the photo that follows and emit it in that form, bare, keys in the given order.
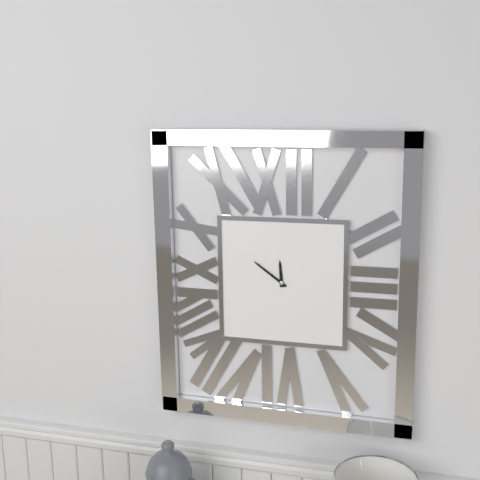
{"hour": 11, "minute": 51}
